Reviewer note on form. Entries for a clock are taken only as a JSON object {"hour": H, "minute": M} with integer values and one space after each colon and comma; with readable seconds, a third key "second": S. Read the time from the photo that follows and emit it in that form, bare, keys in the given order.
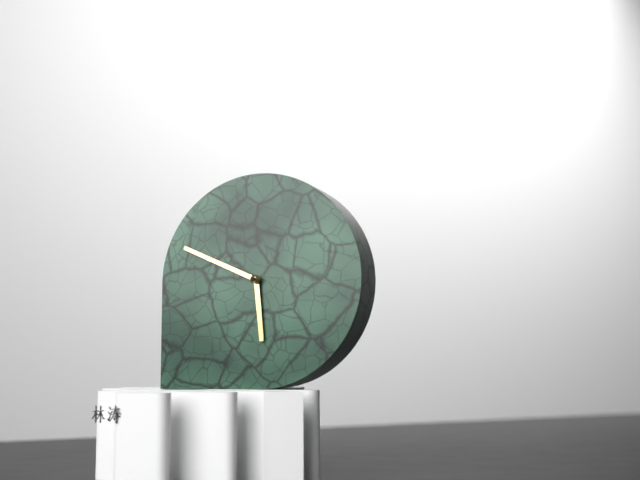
{"hour": 5, "minute": 49}
